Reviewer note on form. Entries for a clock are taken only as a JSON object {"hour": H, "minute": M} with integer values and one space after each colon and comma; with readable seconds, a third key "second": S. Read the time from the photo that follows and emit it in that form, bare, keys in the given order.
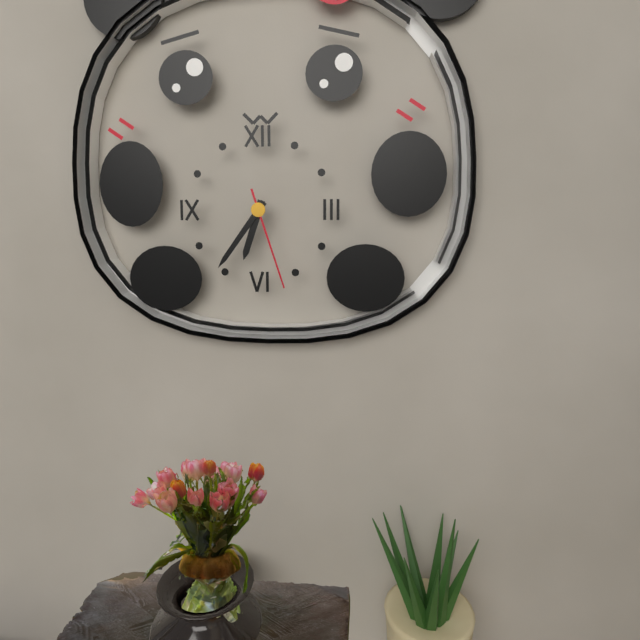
{"hour": 6, "minute": 36, "second": 27}
